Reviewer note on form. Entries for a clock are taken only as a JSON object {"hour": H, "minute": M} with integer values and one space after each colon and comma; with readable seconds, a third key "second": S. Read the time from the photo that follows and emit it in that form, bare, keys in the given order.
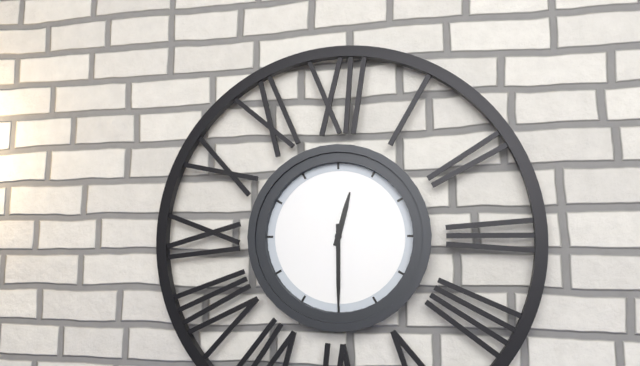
{"hour": 12, "minute": 30}
